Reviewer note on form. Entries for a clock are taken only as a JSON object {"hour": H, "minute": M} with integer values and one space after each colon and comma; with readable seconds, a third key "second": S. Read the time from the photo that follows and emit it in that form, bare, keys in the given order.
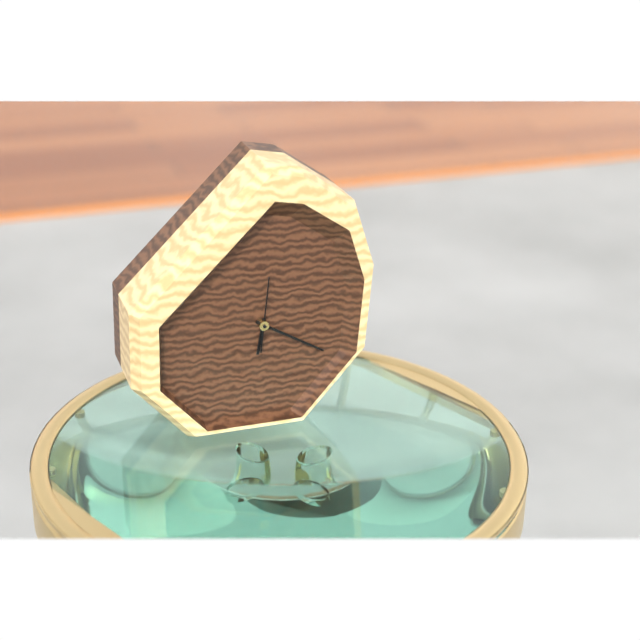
{"hour": 6, "minute": 20, "second": 1}
